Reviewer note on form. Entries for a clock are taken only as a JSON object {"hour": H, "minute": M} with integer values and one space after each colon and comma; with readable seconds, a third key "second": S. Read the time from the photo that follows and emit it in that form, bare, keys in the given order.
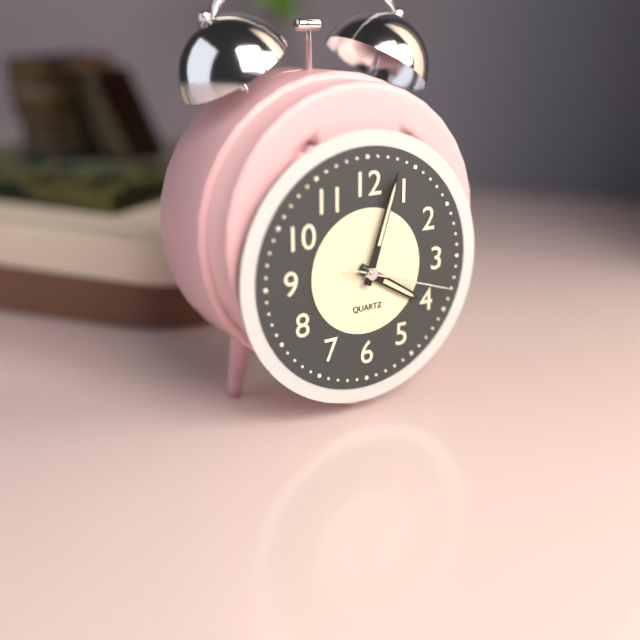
{"hour": 4, "minute": 3, "second": 18}
